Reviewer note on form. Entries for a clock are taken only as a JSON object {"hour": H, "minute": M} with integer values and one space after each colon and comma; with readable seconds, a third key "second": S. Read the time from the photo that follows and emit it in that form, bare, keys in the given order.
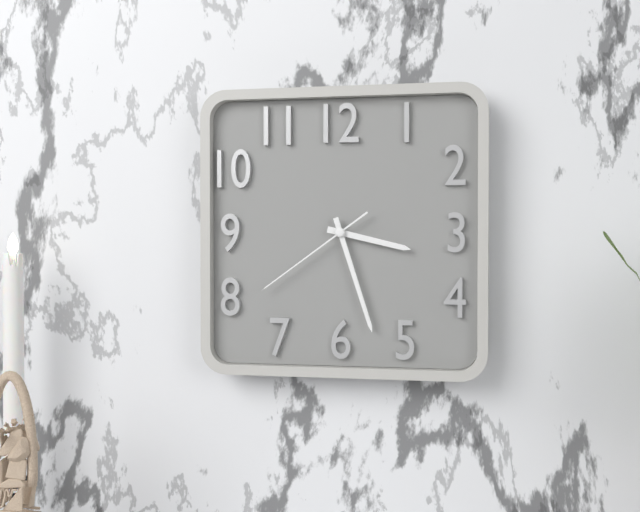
{"hour": 3, "minute": 27, "second": 39}
